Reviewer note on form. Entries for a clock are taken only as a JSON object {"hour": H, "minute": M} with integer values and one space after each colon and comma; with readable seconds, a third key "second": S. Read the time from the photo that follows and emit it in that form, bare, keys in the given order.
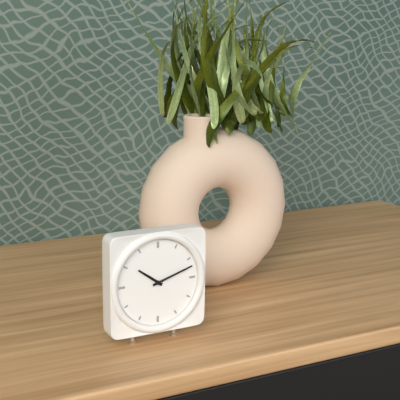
{"hour": 10, "minute": 12}
